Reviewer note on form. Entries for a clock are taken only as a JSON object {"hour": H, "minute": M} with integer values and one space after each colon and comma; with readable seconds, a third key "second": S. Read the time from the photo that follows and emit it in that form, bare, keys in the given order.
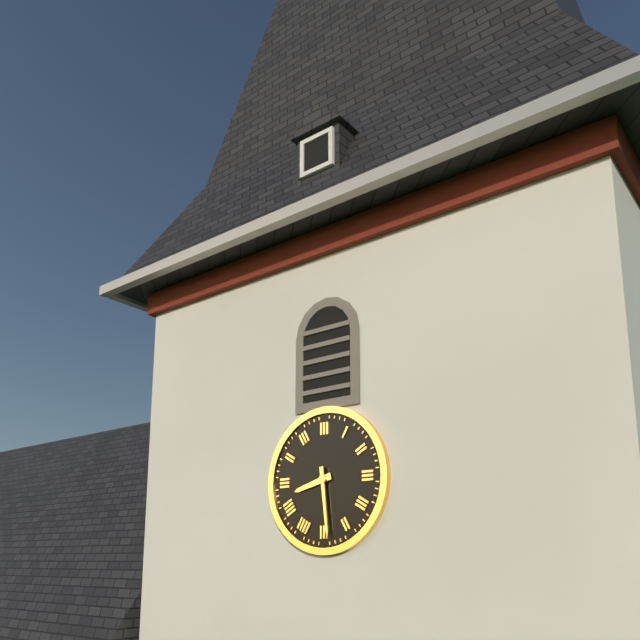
{"hour": 8, "minute": 29}
